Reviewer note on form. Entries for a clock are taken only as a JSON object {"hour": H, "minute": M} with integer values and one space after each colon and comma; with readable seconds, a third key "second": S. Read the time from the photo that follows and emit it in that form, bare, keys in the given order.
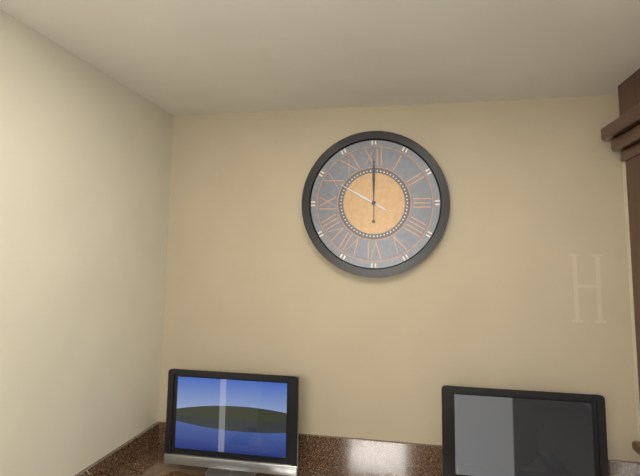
{"hour": 10, "minute": 0}
